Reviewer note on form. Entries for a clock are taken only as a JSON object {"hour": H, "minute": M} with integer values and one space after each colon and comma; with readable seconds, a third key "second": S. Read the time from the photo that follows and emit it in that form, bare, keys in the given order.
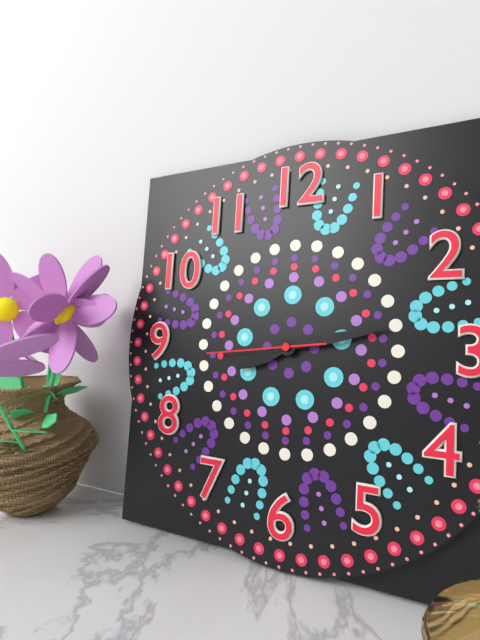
{"hour": 8, "minute": 13, "second": 44}
